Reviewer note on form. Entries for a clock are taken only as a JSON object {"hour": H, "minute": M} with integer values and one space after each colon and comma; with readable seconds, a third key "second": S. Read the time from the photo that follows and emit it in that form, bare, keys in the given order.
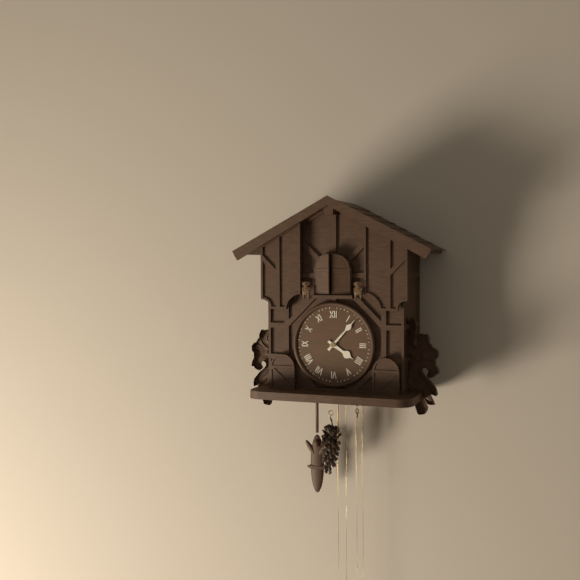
{"hour": 4, "minute": 7}
